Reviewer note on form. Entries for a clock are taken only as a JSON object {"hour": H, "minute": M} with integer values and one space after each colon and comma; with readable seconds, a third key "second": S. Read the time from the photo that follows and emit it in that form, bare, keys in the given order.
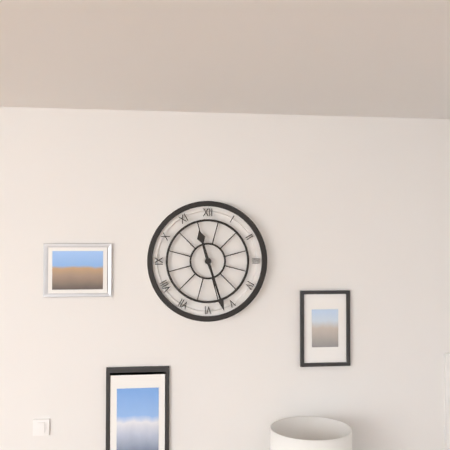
{"hour": 11, "minute": 27}
